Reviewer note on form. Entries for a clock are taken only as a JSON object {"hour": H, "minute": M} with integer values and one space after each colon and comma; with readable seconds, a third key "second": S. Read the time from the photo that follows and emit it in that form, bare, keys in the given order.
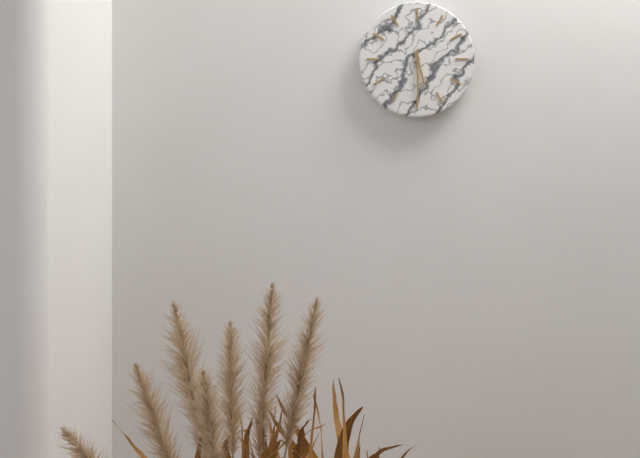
{"hour": 5, "minute": 30}
